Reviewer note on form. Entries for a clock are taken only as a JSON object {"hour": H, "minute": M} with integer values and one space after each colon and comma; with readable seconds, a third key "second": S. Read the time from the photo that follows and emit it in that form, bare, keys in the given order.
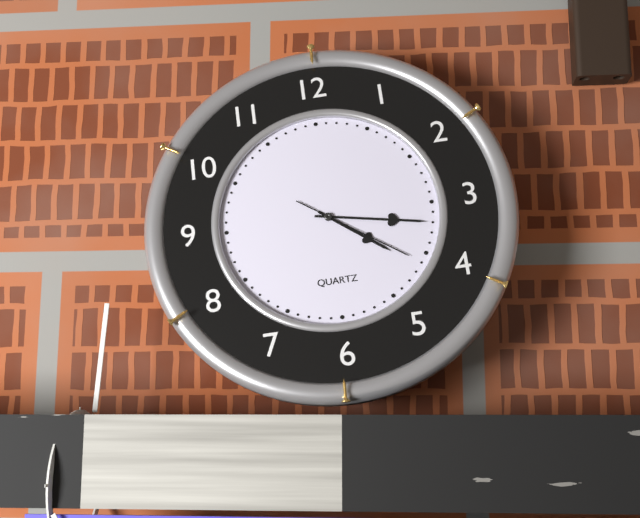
{"hour": 4, "minute": 17, "second": 21}
